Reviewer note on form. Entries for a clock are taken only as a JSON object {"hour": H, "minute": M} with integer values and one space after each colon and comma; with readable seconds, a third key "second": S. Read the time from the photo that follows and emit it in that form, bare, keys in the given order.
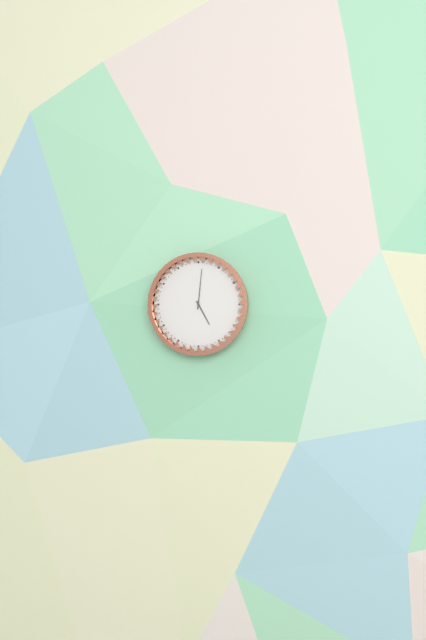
{"hour": 5, "minute": 1}
